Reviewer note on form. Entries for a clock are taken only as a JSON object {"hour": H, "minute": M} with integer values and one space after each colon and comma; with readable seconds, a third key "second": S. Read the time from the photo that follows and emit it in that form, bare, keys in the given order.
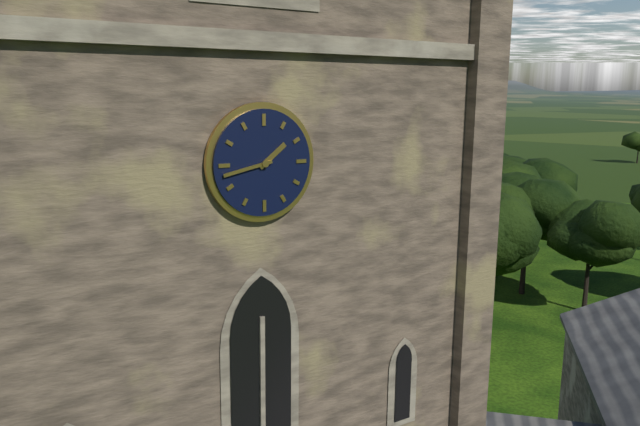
{"hour": 1, "minute": 43}
